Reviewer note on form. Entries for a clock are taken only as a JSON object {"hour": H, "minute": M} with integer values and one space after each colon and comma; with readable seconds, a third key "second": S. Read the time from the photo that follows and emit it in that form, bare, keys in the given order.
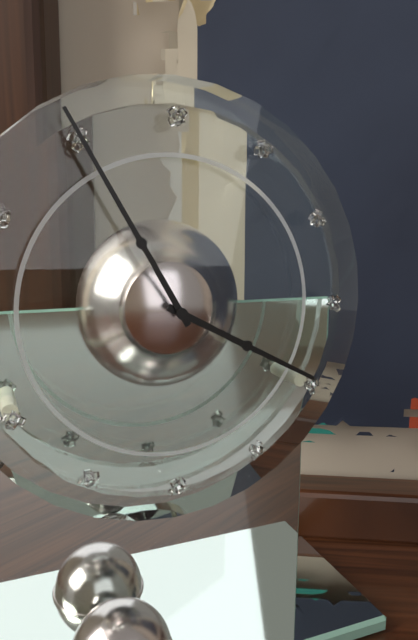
{"hour": 3, "minute": 55}
